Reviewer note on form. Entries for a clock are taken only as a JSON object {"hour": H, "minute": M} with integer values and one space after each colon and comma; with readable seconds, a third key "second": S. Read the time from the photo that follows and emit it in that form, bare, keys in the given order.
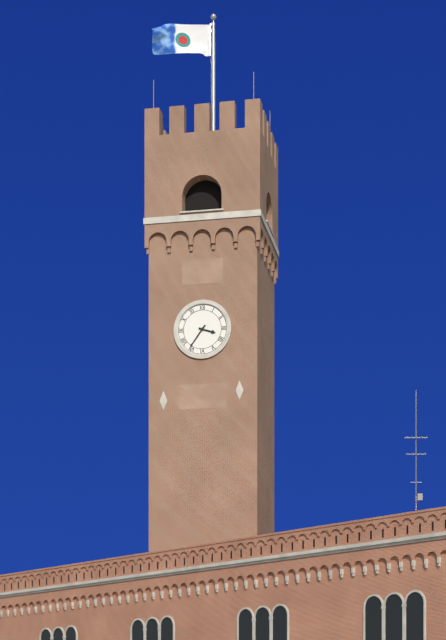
{"hour": 3, "minute": 36}
